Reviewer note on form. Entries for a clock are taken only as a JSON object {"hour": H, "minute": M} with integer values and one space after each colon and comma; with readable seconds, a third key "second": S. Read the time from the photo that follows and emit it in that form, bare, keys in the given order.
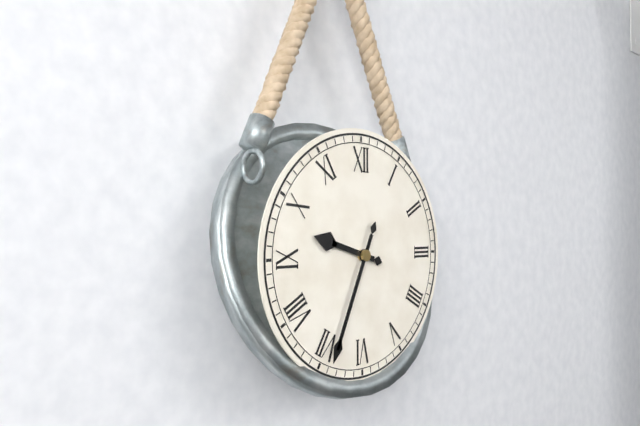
{"hour": 9, "minute": 34}
